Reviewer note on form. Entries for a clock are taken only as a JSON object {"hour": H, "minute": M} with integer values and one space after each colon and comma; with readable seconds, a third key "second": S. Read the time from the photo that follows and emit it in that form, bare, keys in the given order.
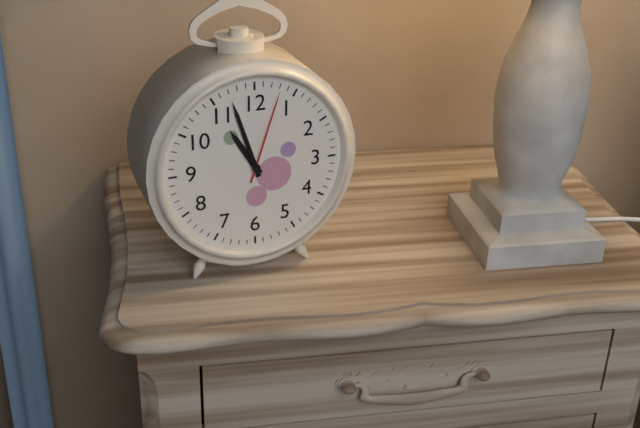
{"hour": 10, "minute": 57, "second": 3}
